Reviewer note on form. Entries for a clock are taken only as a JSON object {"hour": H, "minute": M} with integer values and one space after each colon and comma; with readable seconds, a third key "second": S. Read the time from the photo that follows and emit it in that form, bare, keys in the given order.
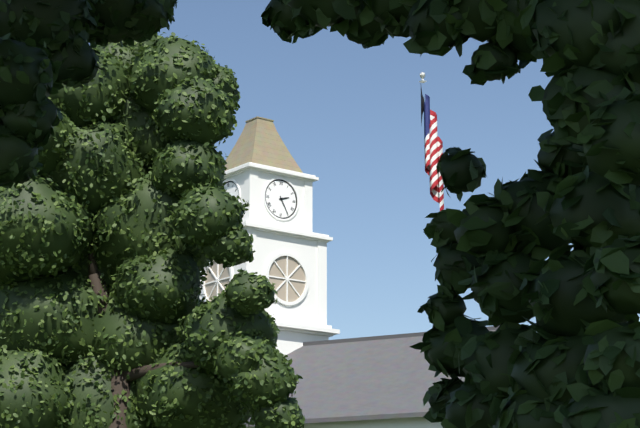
{"hour": 2, "minute": 25}
